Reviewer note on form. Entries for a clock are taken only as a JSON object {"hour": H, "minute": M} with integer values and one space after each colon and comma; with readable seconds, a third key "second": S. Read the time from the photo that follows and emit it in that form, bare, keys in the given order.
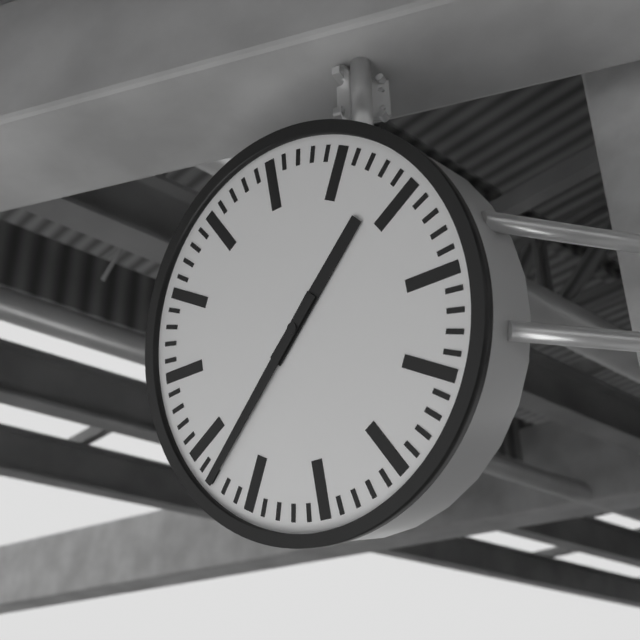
{"hour": 1, "minute": 38}
